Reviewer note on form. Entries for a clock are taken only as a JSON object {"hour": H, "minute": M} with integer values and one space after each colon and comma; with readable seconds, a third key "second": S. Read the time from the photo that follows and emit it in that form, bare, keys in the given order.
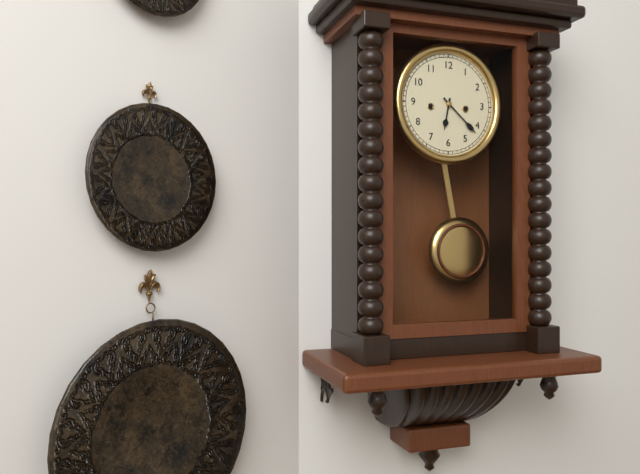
{"hour": 6, "minute": 22}
